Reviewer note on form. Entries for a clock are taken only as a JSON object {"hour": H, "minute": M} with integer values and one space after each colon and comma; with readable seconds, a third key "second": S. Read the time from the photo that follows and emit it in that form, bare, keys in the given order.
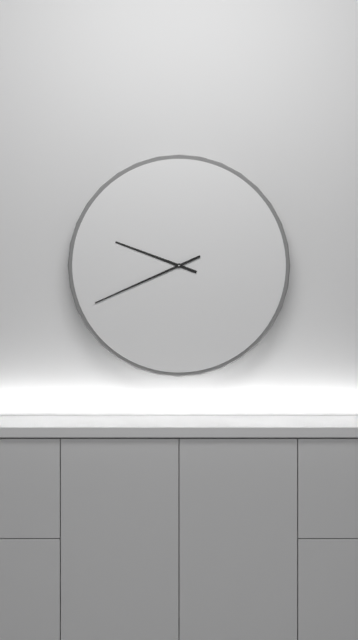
{"hour": 9, "minute": 41}
